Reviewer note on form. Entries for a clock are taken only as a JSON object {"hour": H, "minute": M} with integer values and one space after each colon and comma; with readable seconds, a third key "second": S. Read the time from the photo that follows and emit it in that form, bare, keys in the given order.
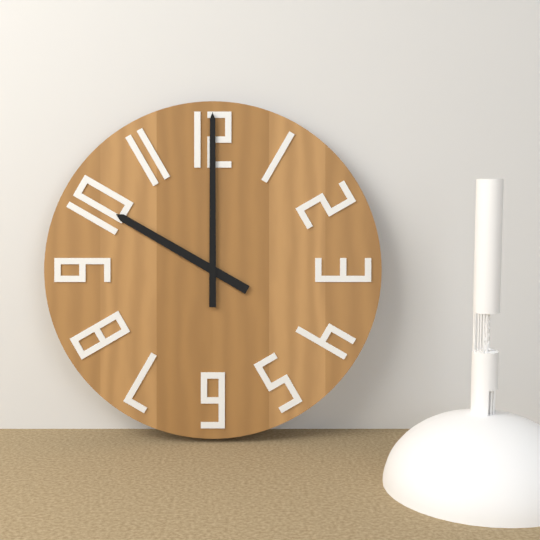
{"hour": 10, "minute": 0}
